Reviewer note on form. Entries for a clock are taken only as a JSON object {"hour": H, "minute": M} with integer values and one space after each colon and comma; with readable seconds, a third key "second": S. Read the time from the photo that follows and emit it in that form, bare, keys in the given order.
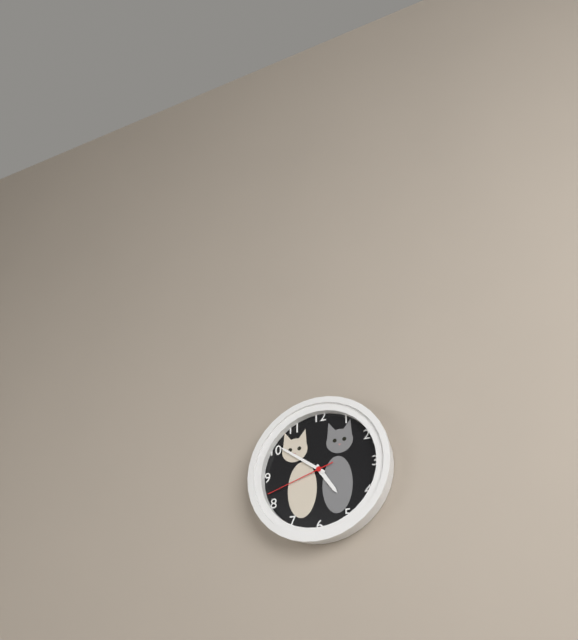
{"hour": 4, "minute": 51, "second": 42}
